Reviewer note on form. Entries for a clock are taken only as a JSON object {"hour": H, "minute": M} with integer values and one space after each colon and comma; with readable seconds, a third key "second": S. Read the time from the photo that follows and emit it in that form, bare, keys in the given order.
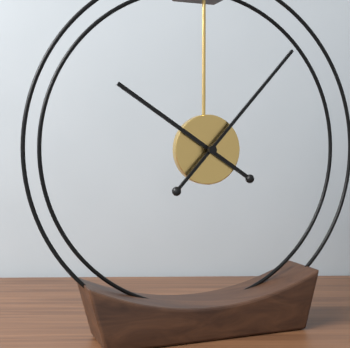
{"hour": 10, "minute": 7}
